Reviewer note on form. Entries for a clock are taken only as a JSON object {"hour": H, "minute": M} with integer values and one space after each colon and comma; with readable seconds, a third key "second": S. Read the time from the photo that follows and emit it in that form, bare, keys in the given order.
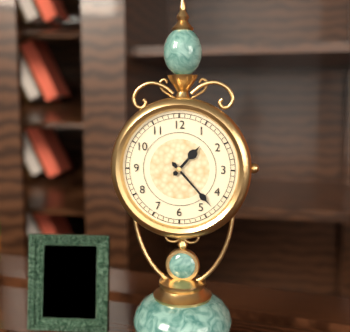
{"hour": 1, "minute": 23}
